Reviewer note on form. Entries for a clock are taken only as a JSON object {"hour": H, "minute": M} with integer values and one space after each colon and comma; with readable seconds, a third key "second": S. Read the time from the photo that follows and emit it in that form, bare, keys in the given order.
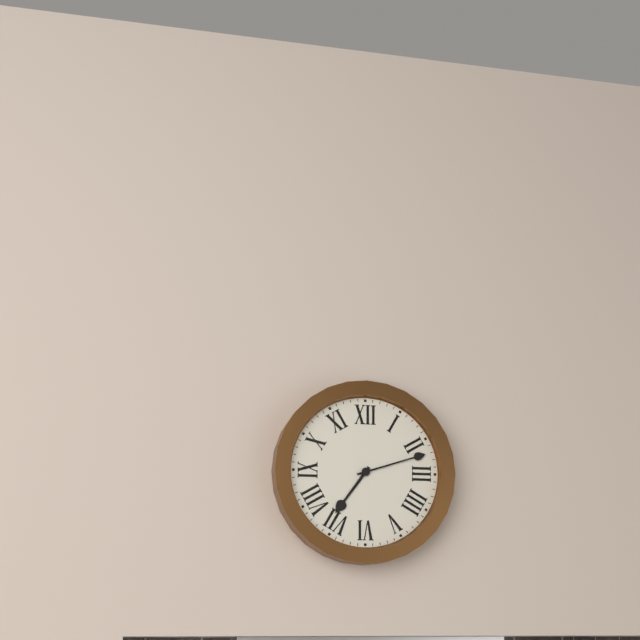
{"hour": 7, "minute": 12}
